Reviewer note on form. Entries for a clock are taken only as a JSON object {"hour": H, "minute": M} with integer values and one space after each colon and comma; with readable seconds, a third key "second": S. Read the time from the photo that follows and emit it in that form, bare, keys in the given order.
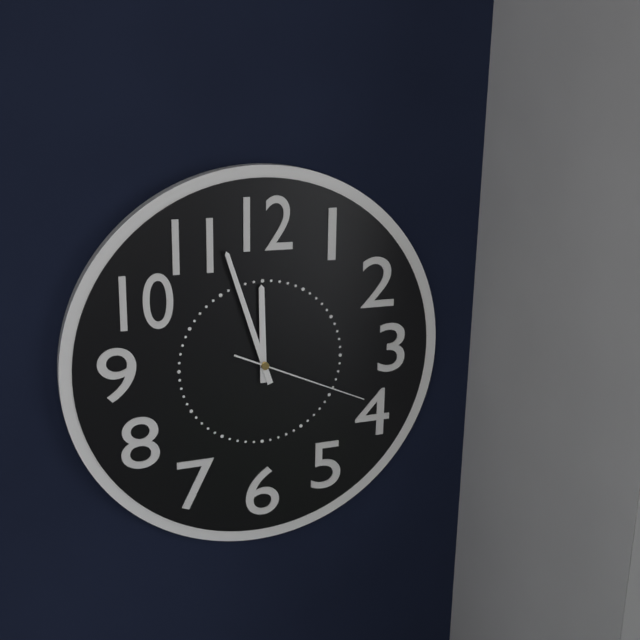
{"hour": 11, "minute": 57, "second": 19}
